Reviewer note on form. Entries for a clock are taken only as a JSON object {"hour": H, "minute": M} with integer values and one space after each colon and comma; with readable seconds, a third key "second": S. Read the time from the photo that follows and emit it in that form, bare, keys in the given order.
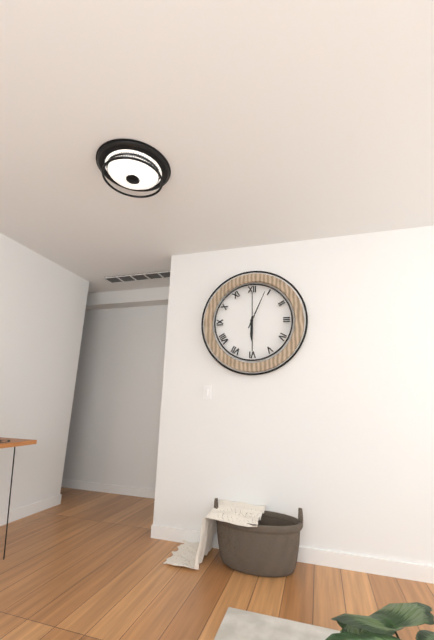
{"hour": 6, "minute": 4}
